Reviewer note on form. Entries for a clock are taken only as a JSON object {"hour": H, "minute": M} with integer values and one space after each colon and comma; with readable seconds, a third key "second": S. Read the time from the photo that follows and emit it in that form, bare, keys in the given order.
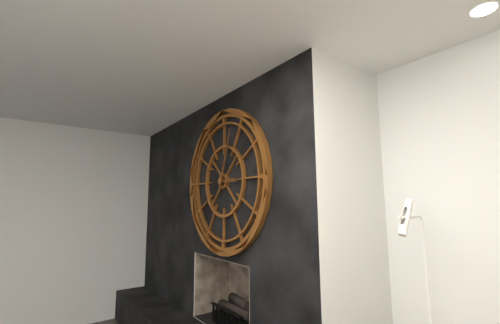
{"hour": 3, "minute": 3}
